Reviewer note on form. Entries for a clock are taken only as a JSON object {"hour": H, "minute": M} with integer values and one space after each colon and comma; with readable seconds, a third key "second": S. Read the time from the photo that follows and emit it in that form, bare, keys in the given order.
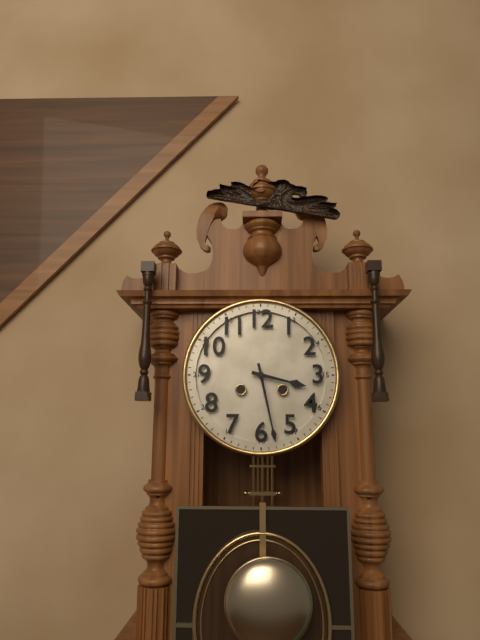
{"hour": 3, "minute": 28}
